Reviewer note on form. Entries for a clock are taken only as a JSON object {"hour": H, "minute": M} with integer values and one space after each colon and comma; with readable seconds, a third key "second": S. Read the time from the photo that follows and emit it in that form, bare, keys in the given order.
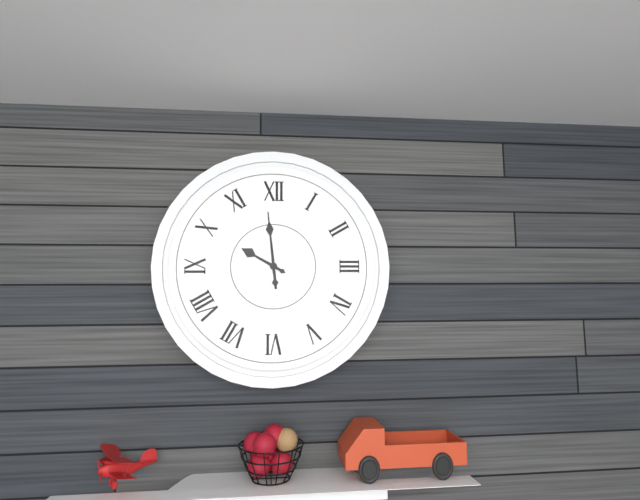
{"hour": 9, "minute": 59}
